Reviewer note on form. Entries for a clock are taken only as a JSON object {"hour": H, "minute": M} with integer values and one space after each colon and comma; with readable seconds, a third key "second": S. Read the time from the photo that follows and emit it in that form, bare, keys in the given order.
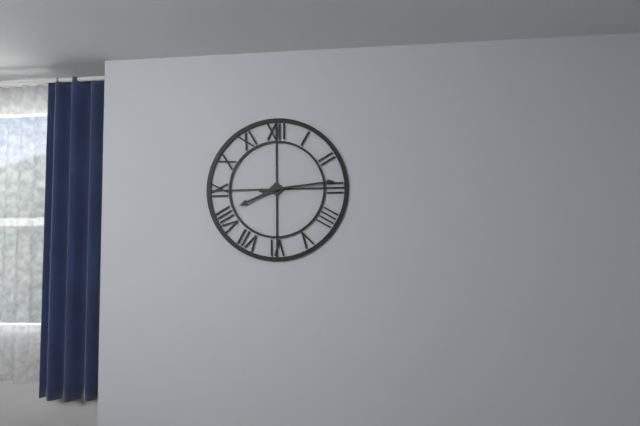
{"hour": 8, "minute": 14}
